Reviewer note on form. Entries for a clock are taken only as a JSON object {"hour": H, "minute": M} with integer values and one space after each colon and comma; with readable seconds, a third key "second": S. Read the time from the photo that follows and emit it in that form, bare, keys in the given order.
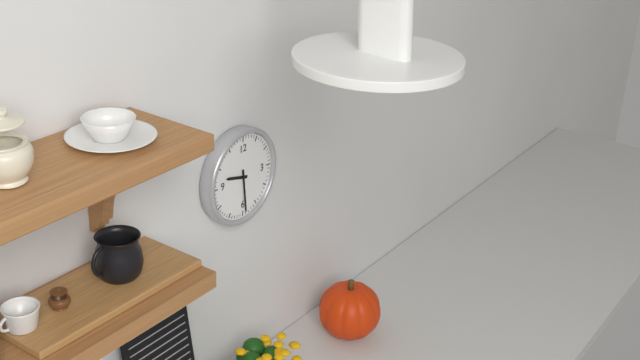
{"hour": 9, "minute": 29}
